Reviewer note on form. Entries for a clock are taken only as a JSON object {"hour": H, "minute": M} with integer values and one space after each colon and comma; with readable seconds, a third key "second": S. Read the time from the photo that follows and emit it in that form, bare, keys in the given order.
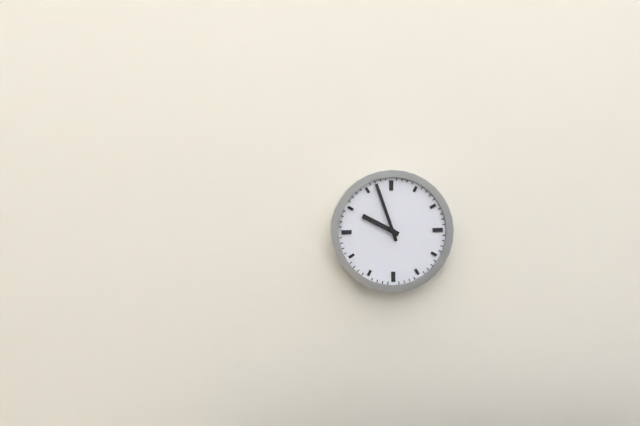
{"hour": 9, "minute": 57}
